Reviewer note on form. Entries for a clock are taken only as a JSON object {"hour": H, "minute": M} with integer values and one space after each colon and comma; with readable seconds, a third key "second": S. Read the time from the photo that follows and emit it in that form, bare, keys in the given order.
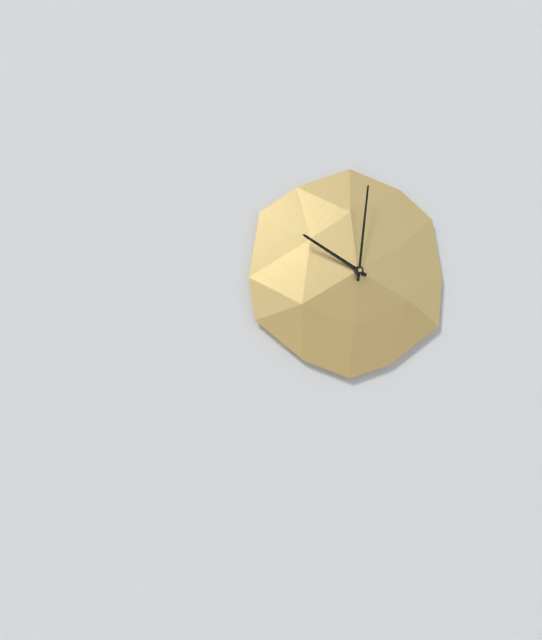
{"hour": 10, "minute": 1}
